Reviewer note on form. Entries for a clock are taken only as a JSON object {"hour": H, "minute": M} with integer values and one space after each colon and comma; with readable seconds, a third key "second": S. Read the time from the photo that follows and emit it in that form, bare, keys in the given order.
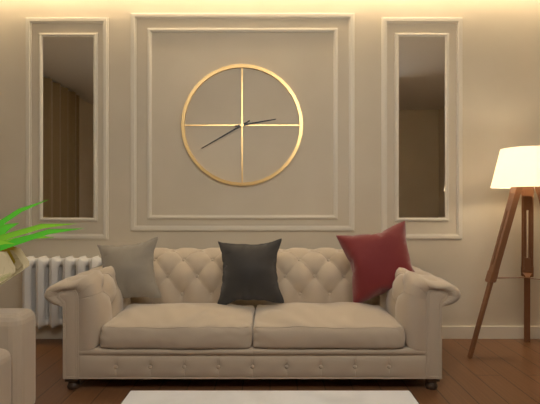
{"hour": 2, "minute": 40}
